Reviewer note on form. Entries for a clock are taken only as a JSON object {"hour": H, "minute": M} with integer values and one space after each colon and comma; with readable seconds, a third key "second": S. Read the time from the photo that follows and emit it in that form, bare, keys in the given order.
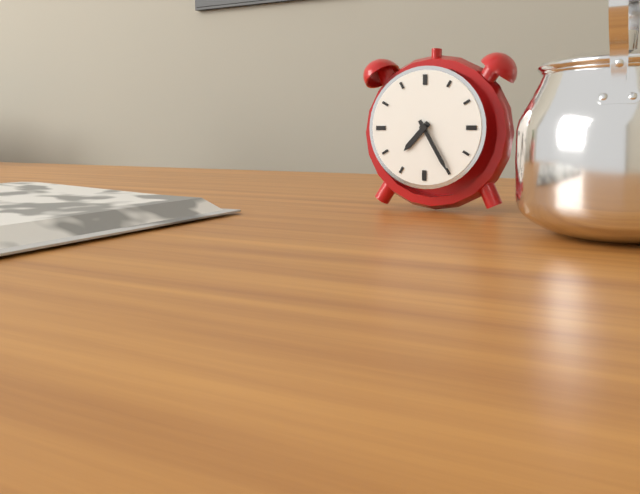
{"hour": 7, "minute": 25}
